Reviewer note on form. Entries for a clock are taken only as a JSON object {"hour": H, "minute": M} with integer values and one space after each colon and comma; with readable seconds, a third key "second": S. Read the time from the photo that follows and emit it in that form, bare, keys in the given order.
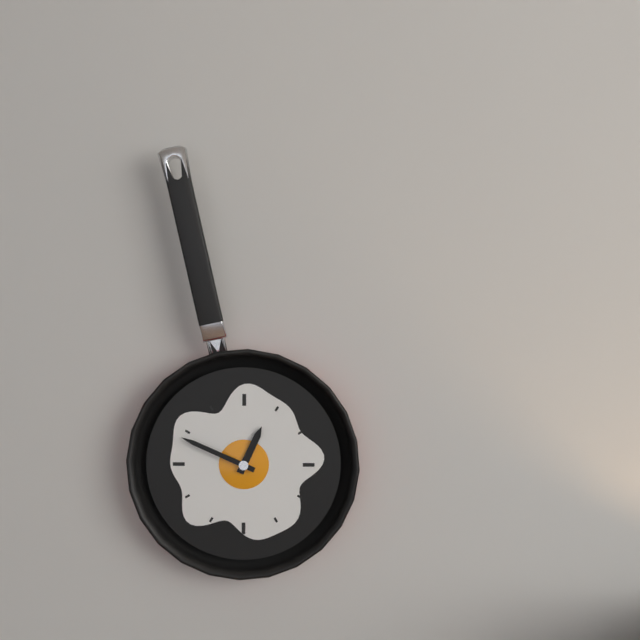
{"hour": 12, "minute": 49}
